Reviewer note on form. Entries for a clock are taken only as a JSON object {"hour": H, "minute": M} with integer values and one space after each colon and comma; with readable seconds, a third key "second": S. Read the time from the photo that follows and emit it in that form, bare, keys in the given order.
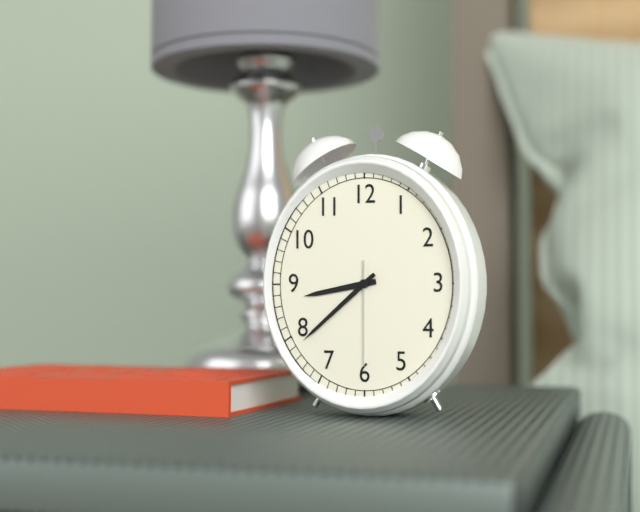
{"hour": 8, "minute": 38, "second": 30}
